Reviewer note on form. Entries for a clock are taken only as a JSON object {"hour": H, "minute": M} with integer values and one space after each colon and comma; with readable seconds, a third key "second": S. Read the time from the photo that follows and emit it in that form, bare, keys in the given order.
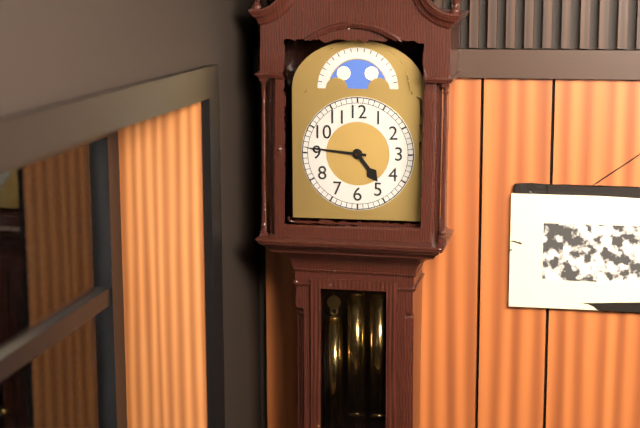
{"hour": 4, "minute": 46}
